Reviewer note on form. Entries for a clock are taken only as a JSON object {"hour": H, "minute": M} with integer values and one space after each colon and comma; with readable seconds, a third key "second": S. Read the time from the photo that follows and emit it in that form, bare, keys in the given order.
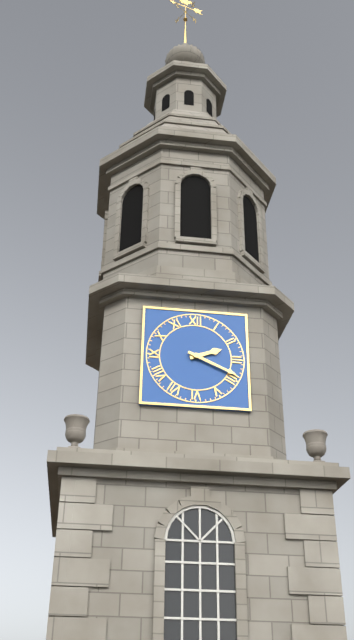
{"hour": 2, "minute": 19}
